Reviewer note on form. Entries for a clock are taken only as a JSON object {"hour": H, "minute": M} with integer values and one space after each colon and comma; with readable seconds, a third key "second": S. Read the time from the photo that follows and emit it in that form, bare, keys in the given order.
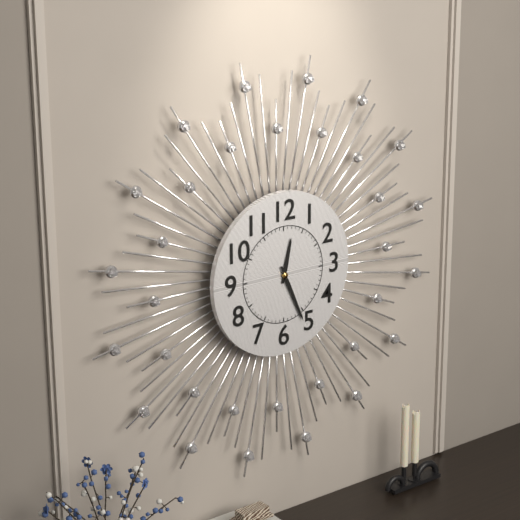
{"hour": 12, "minute": 26}
